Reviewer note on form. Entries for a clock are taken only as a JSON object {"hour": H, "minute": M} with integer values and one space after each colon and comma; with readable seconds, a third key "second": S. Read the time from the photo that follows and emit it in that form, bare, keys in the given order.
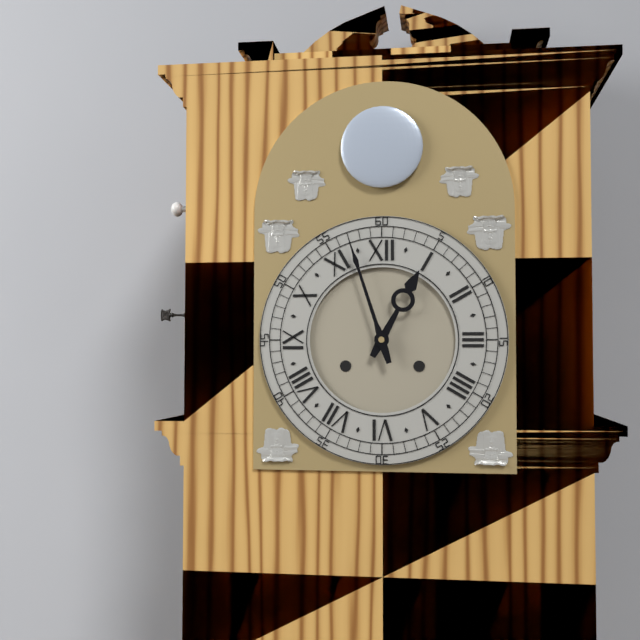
{"hour": 12, "minute": 57}
